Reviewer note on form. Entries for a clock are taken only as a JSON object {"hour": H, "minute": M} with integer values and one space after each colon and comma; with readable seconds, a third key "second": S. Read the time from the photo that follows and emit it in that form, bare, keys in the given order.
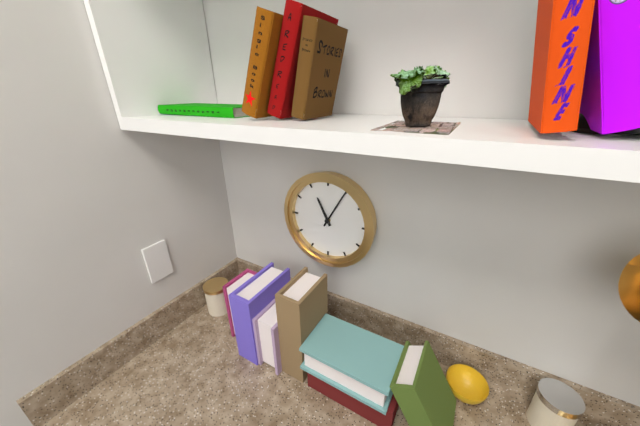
{"hour": 11, "minute": 5}
